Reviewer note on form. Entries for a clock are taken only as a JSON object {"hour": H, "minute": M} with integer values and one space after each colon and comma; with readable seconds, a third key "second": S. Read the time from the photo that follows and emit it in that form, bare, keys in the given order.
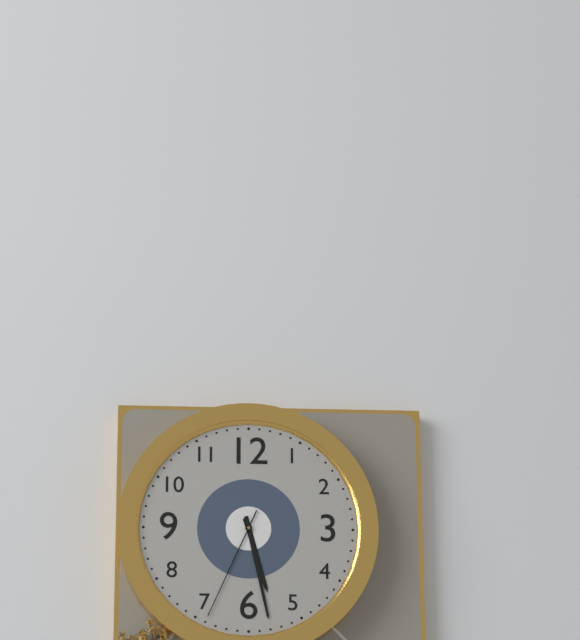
{"hour": 5, "minute": 28, "second": 34}
